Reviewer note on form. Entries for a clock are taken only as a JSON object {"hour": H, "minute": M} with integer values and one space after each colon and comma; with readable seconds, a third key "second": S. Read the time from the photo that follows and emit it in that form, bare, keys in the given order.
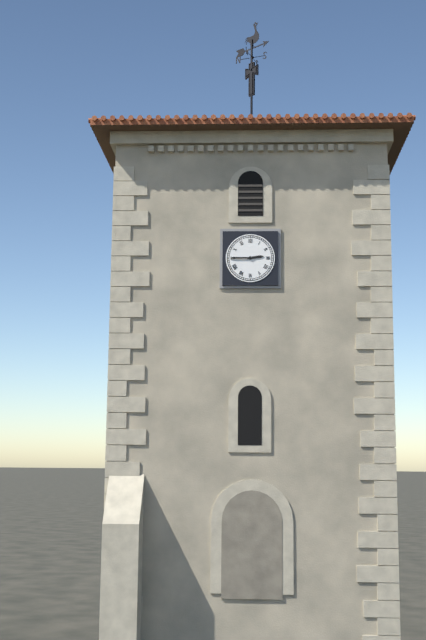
{"hour": 2, "minute": 45}
